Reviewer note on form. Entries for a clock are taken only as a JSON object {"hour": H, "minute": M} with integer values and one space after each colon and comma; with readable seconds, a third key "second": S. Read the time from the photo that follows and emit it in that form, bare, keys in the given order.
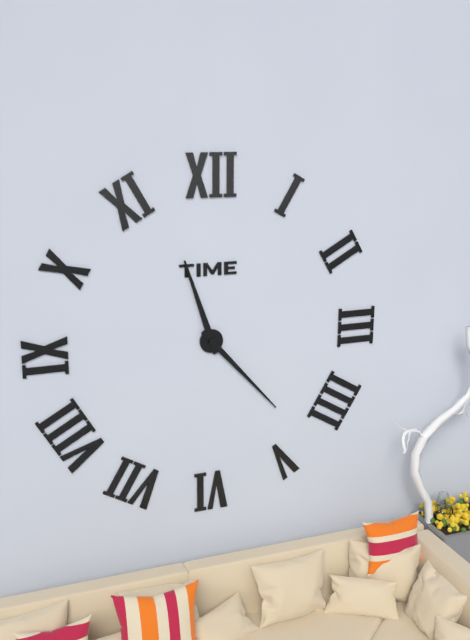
{"hour": 11, "minute": 23}
